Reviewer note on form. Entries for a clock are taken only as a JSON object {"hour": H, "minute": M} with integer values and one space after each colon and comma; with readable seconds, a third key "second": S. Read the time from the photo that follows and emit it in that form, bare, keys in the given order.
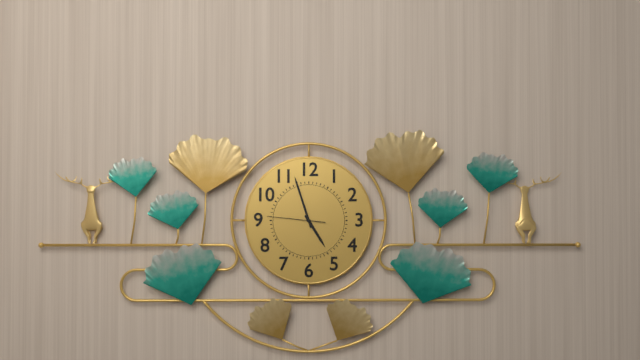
{"hour": 4, "minute": 57, "second": 46}
